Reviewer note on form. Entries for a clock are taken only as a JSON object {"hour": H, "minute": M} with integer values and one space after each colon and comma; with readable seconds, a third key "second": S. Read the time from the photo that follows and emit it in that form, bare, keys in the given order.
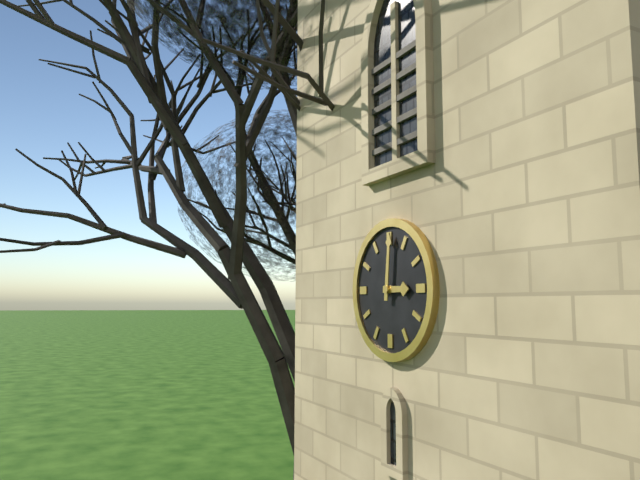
{"hour": 3, "minute": 1}
